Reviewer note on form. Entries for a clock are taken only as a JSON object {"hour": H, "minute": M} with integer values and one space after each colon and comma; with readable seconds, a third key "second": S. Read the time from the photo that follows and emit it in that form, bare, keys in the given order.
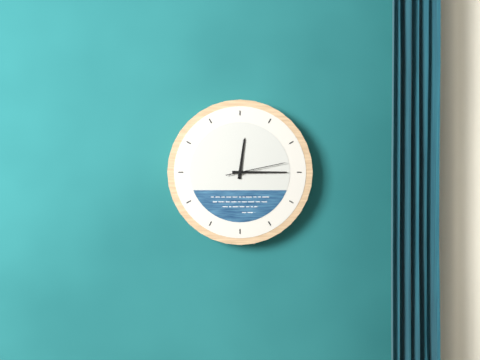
{"hour": 12, "minute": 15, "second": 13}
